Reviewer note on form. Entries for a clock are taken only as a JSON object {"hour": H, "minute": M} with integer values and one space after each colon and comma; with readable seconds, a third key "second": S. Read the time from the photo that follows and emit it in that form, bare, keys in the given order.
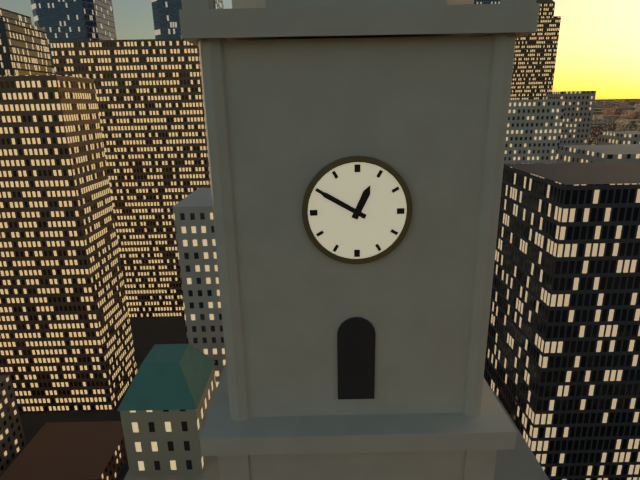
{"hour": 12, "minute": 50}
